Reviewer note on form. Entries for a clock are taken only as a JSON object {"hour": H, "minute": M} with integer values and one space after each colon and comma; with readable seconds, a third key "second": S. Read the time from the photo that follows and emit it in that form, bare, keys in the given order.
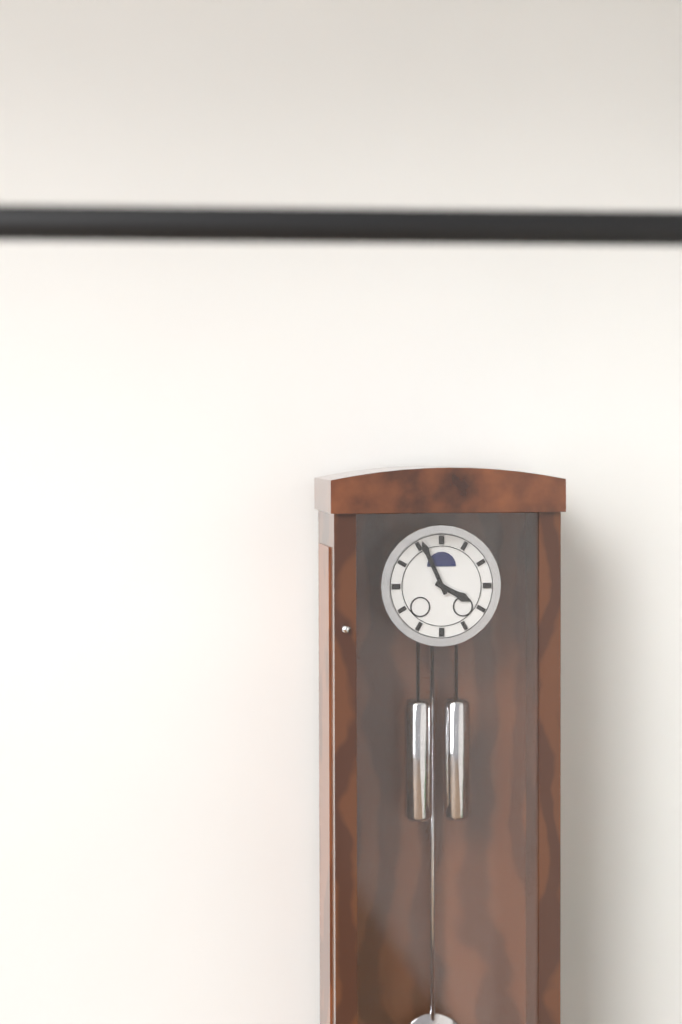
{"hour": 3, "minute": 56}
